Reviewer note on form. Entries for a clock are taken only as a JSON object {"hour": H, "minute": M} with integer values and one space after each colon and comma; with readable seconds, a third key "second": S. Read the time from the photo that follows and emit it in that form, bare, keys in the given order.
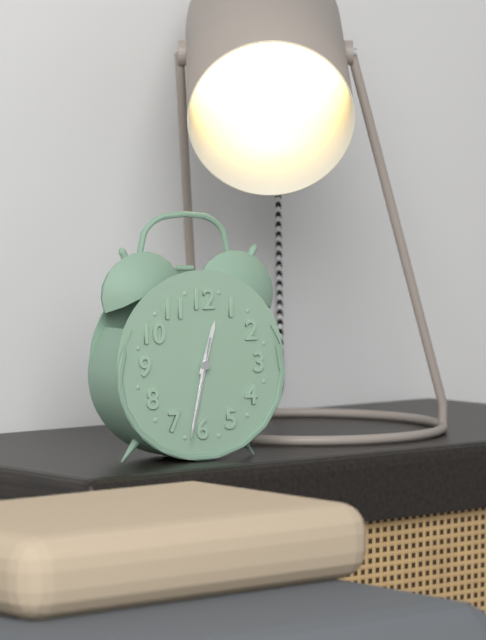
{"hour": 12, "minute": 32, "second": 32}
